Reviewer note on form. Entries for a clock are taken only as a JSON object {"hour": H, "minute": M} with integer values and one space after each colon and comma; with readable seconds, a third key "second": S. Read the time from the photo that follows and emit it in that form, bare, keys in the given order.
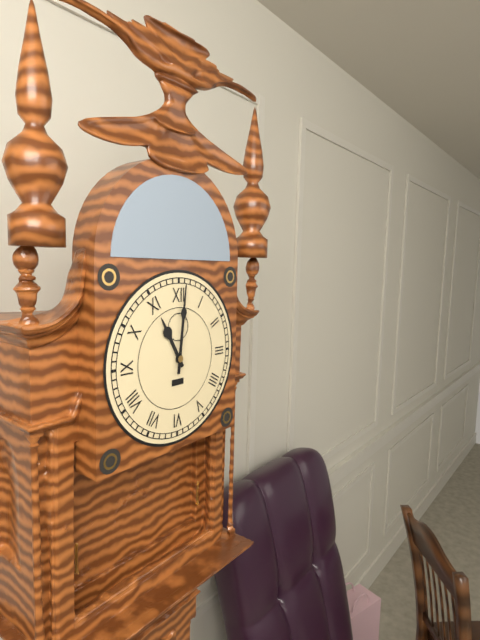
{"hour": 11, "minute": 1}
